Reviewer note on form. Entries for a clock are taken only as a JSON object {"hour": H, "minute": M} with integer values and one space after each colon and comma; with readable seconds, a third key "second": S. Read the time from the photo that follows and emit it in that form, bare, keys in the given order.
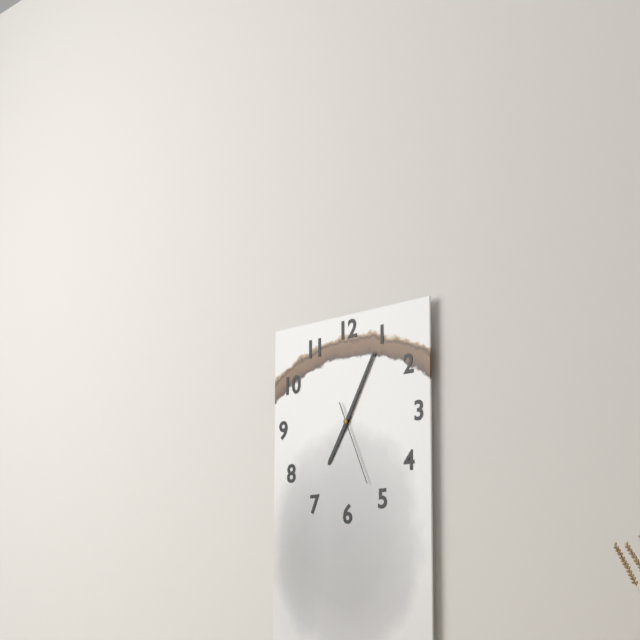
{"hour": 7, "minute": 5, "second": 26}
